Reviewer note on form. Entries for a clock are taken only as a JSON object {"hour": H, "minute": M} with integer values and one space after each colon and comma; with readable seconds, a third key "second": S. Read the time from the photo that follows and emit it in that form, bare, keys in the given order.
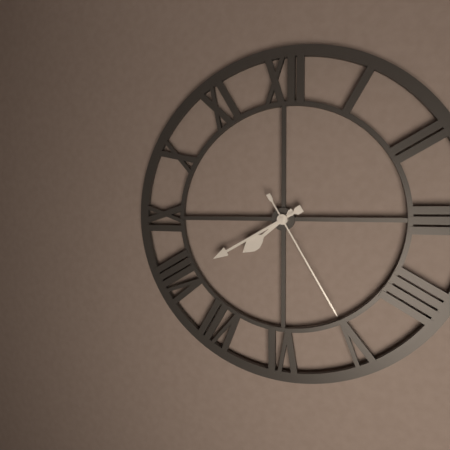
{"hour": 7, "minute": 40, "second": 25}
